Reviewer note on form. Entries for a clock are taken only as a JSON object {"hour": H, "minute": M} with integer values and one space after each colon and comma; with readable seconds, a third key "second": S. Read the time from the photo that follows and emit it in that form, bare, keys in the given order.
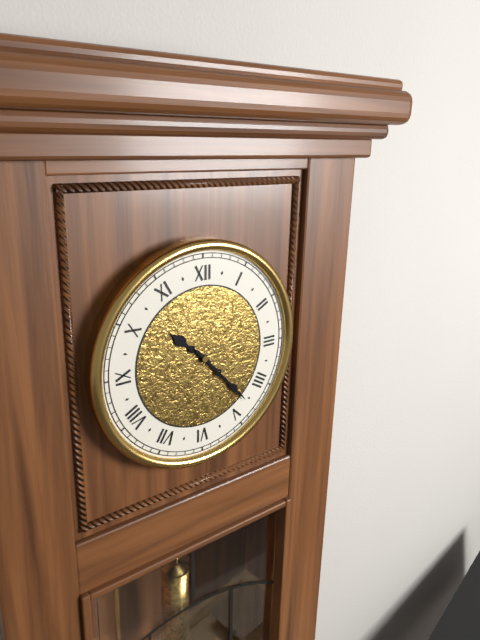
{"hour": 10, "minute": 23}
